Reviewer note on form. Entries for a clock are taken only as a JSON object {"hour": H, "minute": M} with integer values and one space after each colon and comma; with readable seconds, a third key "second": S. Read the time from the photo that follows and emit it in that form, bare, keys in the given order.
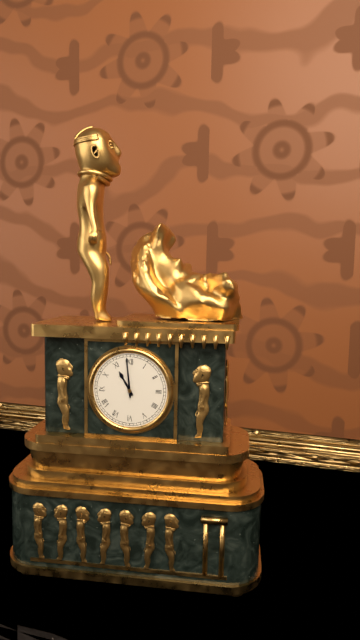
{"hour": 10, "minute": 59}
